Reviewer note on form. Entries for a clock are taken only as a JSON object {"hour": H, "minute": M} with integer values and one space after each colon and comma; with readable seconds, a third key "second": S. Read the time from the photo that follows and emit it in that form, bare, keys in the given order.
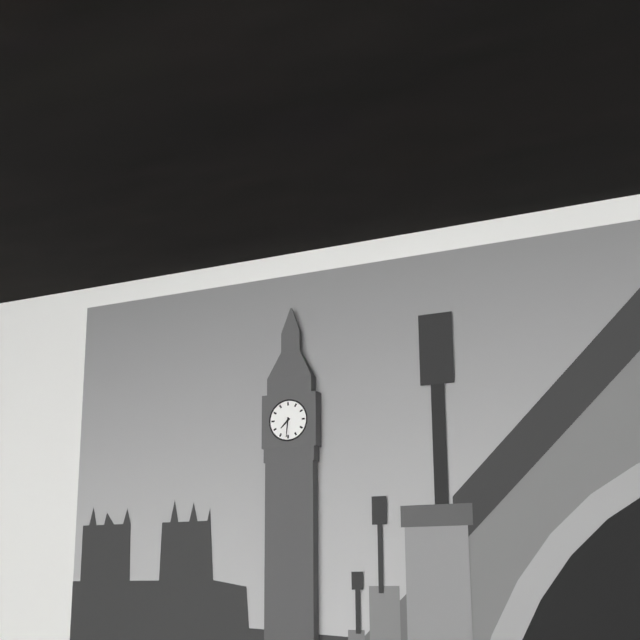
{"hour": 7, "minute": 31}
